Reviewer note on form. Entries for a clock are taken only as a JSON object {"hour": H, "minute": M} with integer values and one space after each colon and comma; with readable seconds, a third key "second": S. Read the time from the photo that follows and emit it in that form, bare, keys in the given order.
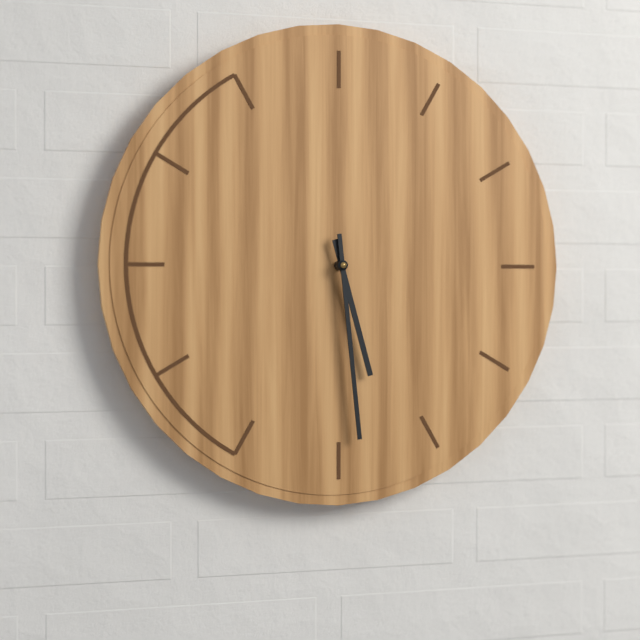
{"hour": 5, "minute": 29}
